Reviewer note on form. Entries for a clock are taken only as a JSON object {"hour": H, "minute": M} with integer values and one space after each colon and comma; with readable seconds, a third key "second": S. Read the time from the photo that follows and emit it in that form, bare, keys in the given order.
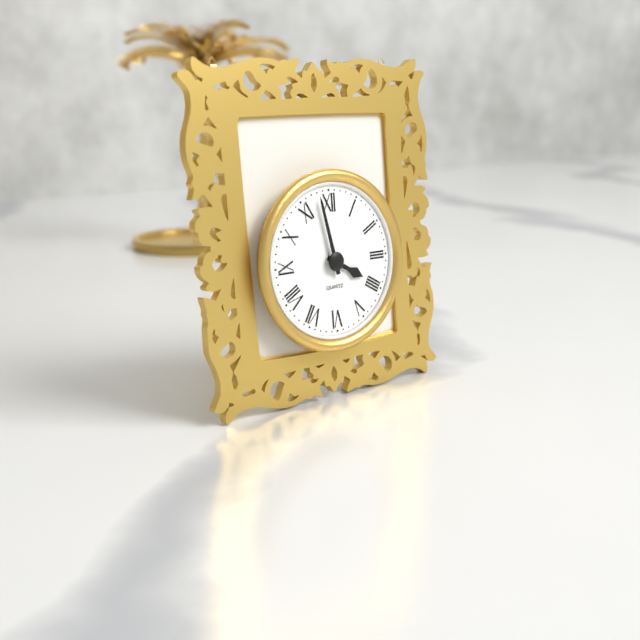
{"hour": 3, "minute": 58}
